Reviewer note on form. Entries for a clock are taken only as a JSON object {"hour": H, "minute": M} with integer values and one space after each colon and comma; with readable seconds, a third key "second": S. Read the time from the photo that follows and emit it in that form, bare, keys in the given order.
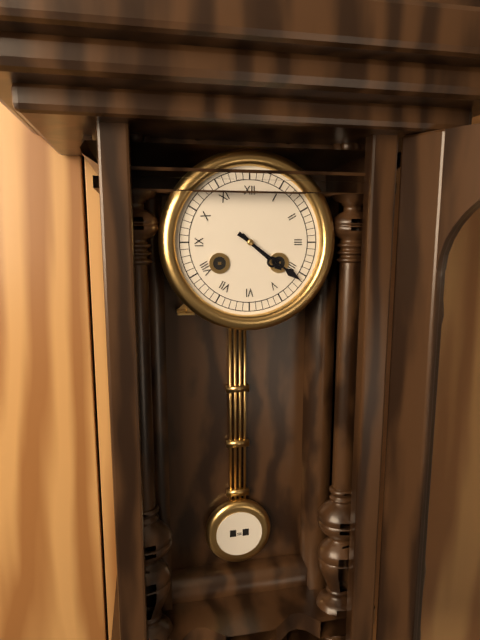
{"hour": 4, "minute": 21}
